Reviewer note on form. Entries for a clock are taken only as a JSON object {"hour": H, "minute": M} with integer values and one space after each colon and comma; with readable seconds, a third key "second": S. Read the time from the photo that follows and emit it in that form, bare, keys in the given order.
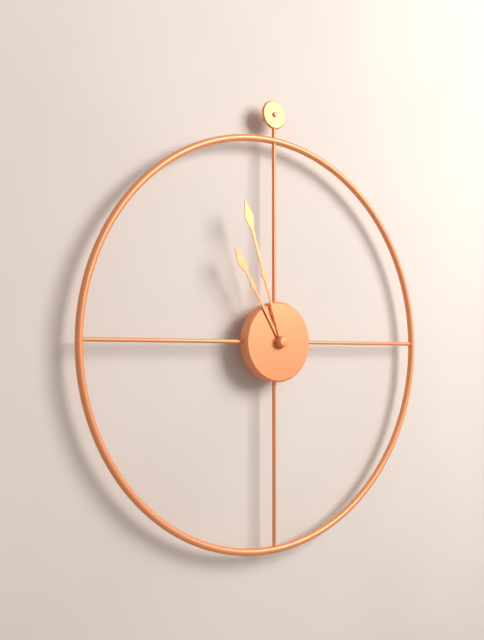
{"hour": 10, "minute": 57}
